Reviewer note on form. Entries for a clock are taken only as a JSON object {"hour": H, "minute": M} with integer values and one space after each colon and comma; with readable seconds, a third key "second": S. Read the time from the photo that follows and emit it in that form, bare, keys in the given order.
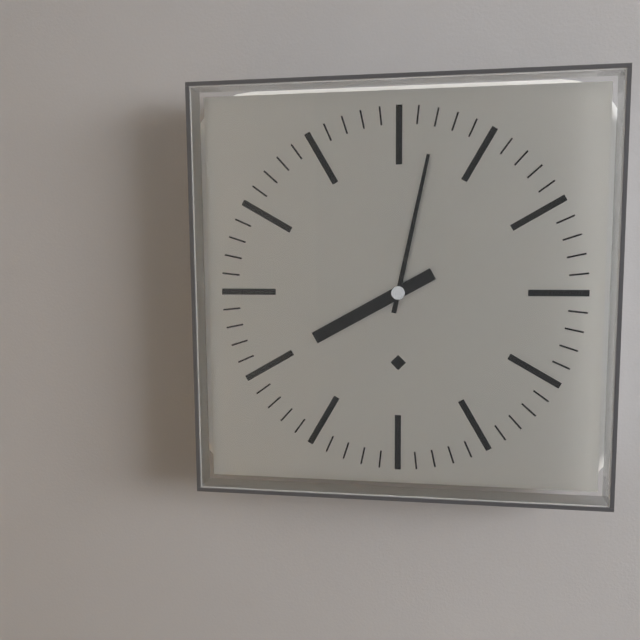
{"hour": 8, "minute": 2}
